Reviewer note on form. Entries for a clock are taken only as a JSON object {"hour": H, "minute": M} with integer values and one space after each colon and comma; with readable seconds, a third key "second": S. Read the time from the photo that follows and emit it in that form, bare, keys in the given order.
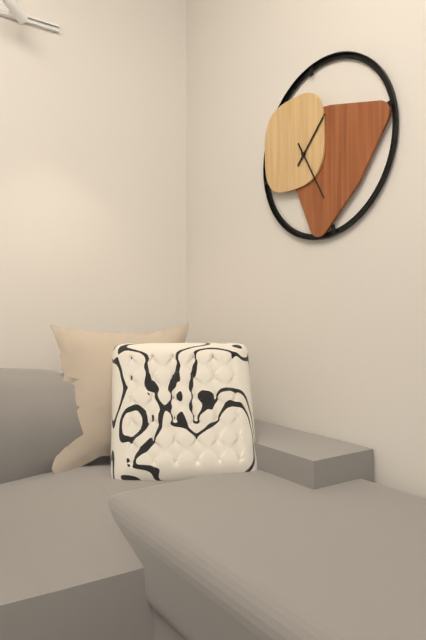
{"hour": 1, "minute": 25}
